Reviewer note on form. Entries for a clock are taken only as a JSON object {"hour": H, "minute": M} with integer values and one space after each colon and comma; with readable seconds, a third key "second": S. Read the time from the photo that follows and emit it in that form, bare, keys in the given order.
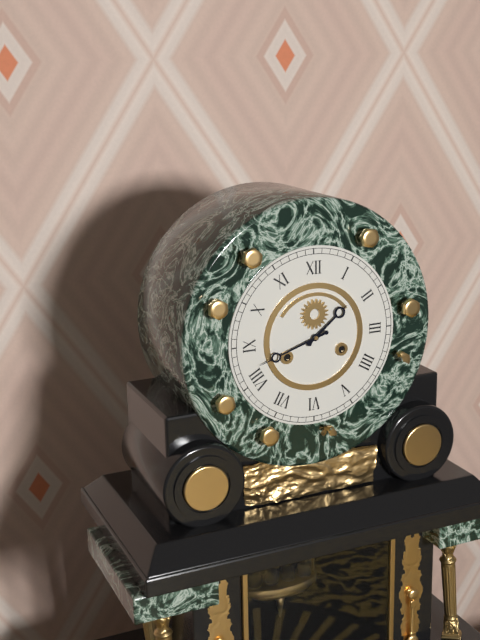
{"hour": 1, "minute": 42}
